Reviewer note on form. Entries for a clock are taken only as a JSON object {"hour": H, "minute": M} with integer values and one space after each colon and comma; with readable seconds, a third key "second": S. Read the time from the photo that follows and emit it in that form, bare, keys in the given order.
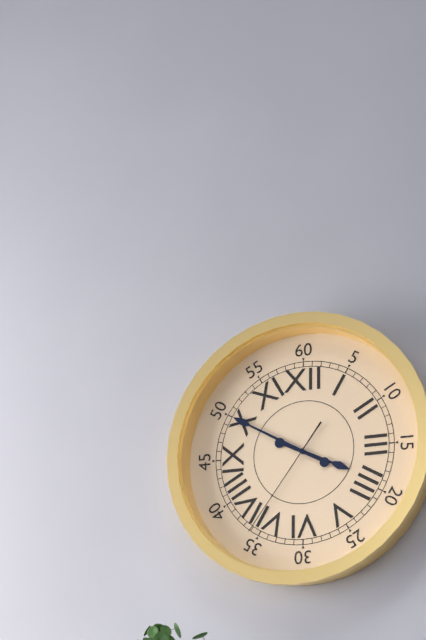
{"hour": 3, "minute": 50, "second": 36}
